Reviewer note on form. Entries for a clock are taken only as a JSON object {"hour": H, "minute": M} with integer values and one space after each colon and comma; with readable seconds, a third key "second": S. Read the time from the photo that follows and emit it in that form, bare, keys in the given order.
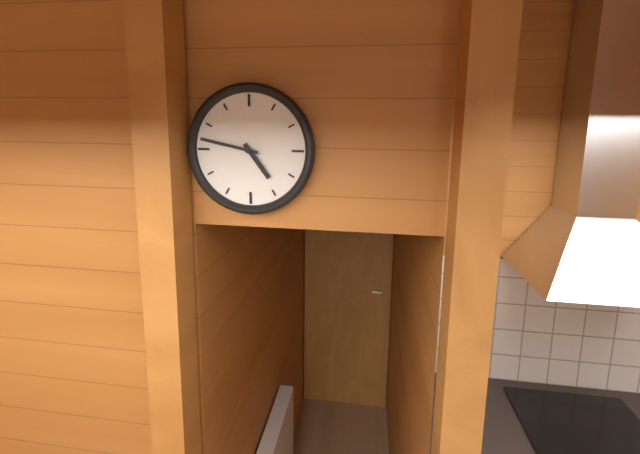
{"hour": 4, "minute": 47}
